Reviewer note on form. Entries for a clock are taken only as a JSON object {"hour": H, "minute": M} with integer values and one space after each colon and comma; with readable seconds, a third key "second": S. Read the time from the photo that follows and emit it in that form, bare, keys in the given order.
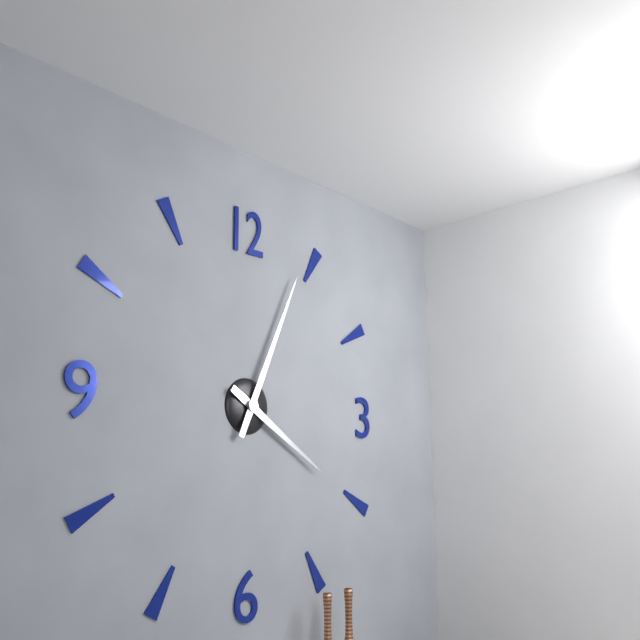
{"hour": 4, "minute": 4}
